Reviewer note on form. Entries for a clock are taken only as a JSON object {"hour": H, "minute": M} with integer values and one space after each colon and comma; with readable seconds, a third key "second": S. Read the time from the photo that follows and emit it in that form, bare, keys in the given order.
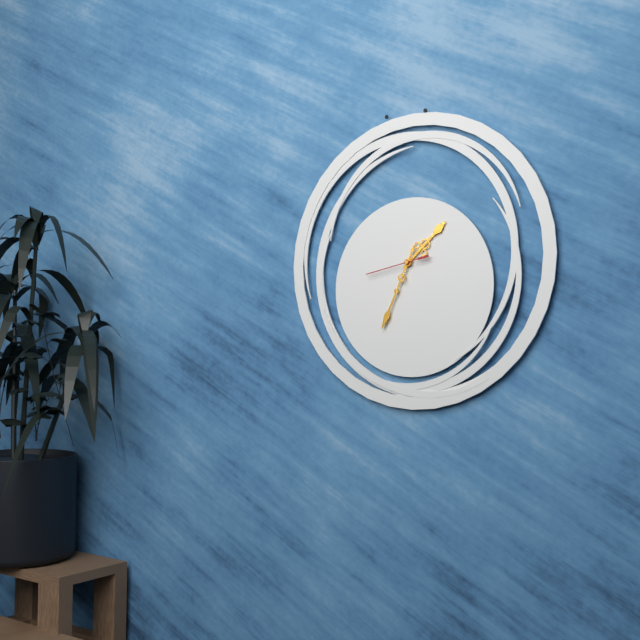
{"hour": 1, "minute": 34, "second": 43}
